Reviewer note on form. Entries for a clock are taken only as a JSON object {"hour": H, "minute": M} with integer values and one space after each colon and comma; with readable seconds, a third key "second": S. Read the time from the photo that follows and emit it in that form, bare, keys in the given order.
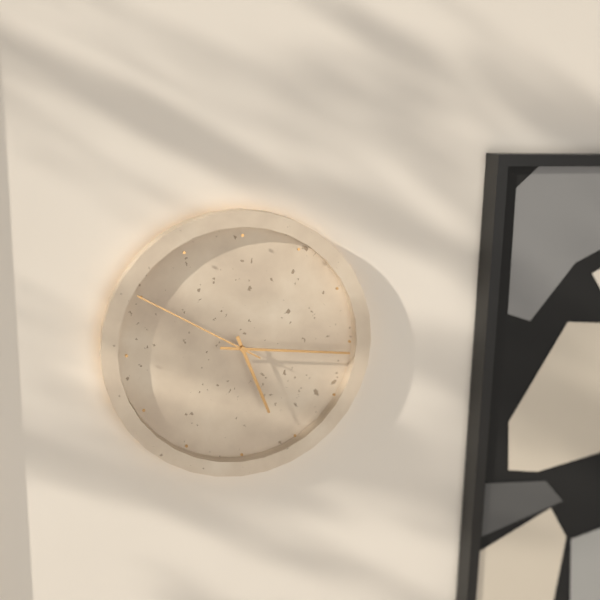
{"hour": 5, "minute": 16, "second": 50}
